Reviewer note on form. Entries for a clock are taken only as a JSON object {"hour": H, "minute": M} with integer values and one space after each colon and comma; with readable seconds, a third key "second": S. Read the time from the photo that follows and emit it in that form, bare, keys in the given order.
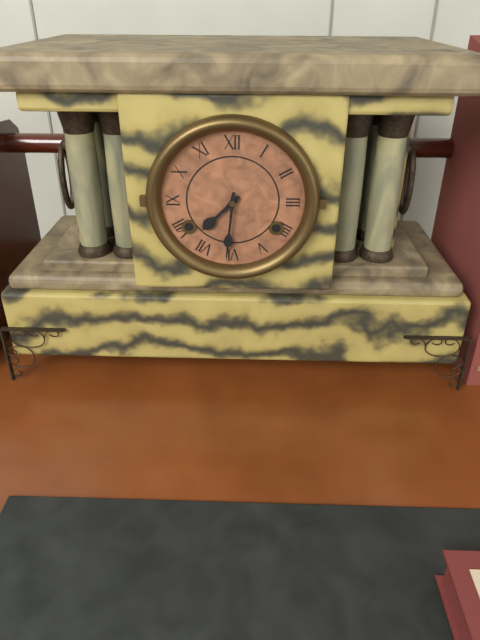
{"hour": 7, "minute": 31}
